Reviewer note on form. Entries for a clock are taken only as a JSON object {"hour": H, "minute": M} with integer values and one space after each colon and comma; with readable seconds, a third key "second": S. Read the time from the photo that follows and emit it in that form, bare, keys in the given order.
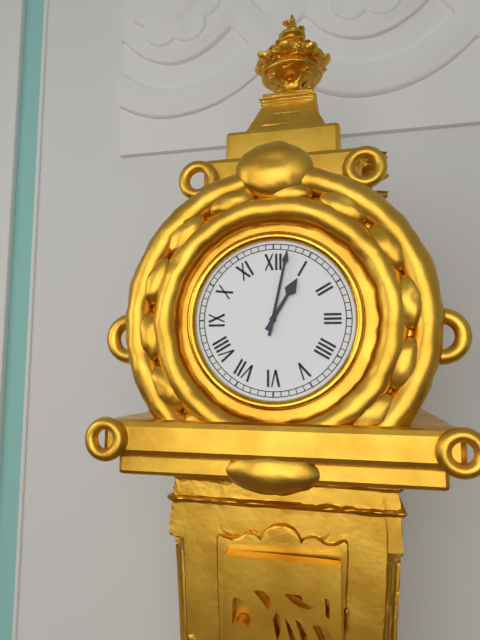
{"hour": 1, "minute": 2}
